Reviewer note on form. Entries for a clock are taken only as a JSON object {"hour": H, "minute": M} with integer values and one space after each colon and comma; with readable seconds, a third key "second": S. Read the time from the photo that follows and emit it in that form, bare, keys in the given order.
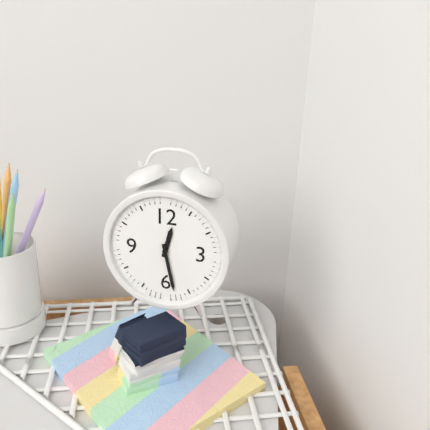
{"hour": 12, "minute": 28}
